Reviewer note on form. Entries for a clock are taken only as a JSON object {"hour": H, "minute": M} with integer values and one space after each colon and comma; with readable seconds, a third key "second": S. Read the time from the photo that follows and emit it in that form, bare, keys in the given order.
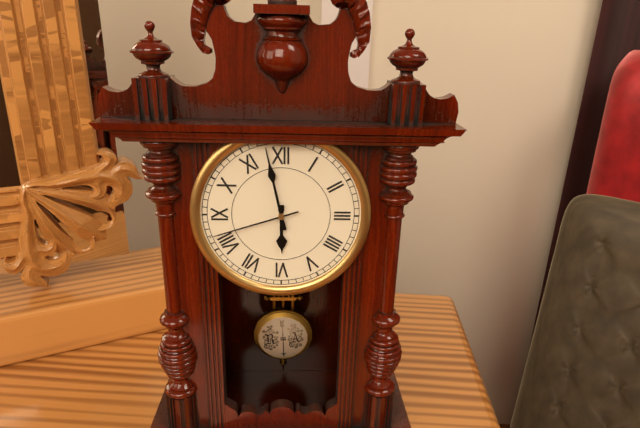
{"hour": 5, "minute": 58, "second": 42}
